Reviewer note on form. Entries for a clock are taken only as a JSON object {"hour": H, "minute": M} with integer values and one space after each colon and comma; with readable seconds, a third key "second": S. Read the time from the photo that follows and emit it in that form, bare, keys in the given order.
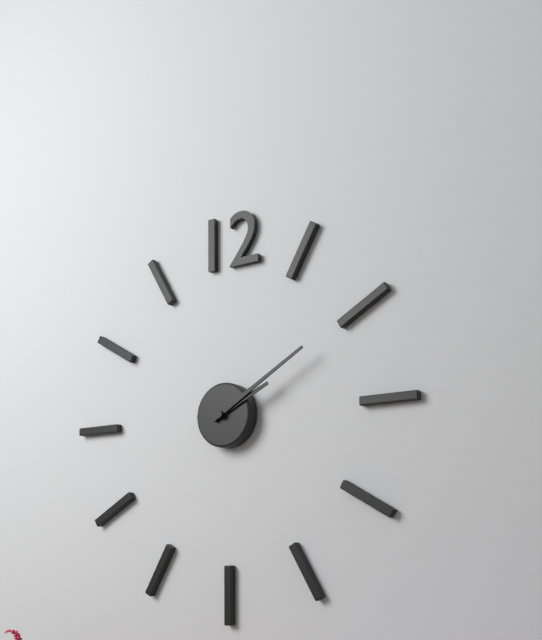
{"hour": 2, "minute": 10}
